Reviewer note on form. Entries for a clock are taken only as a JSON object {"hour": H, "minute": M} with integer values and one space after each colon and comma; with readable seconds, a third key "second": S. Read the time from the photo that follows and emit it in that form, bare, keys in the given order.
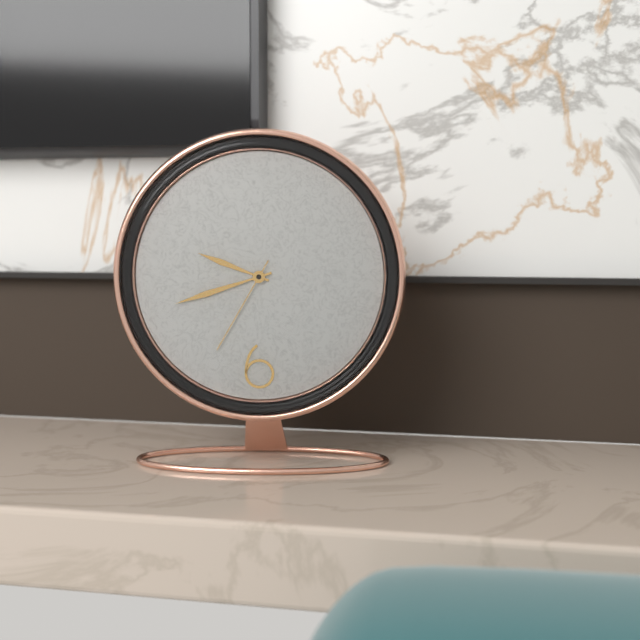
{"hour": 9, "minute": 42, "second": 35}
